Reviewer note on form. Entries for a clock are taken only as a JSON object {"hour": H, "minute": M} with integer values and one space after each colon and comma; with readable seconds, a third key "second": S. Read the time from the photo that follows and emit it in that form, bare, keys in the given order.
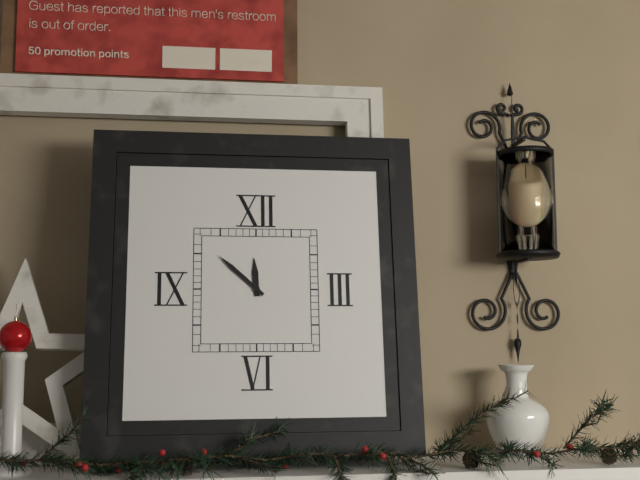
{"hour": 11, "minute": 52}
